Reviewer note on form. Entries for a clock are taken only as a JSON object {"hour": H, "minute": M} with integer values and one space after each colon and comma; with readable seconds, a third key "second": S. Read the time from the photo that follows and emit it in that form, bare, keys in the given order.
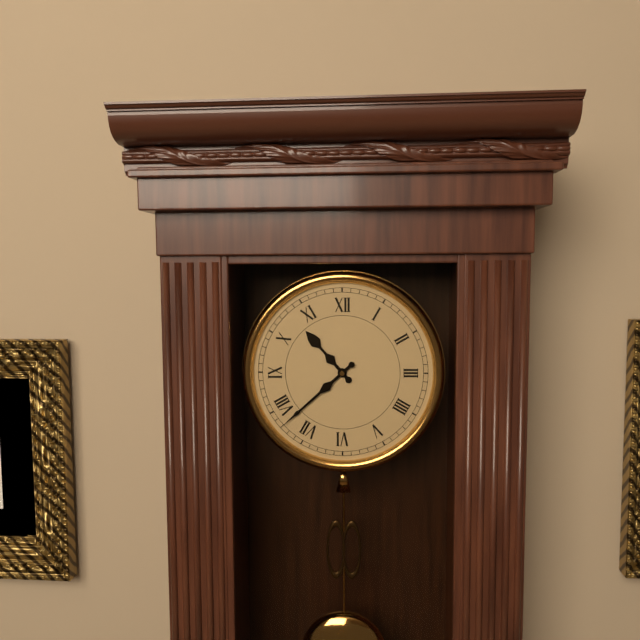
{"hour": 10, "minute": 38}
